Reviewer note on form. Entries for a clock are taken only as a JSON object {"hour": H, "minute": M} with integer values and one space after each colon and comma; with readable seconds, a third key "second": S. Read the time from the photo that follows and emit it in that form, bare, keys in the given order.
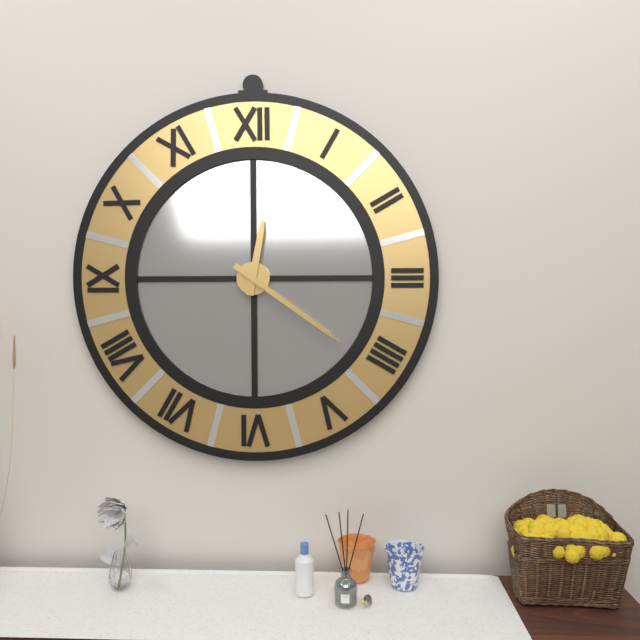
{"hour": 12, "minute": 21}
